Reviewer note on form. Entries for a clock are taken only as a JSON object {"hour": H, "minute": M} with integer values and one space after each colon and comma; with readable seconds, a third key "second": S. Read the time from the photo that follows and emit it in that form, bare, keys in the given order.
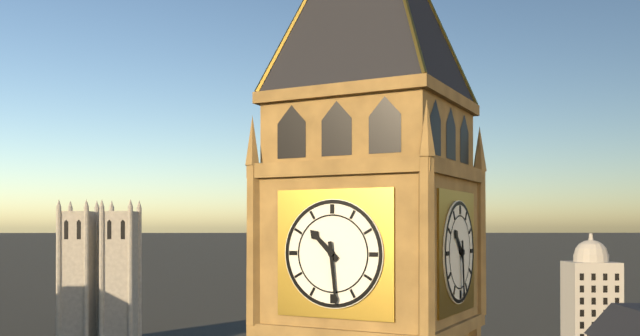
{"hour": 10, "minute": 29}
